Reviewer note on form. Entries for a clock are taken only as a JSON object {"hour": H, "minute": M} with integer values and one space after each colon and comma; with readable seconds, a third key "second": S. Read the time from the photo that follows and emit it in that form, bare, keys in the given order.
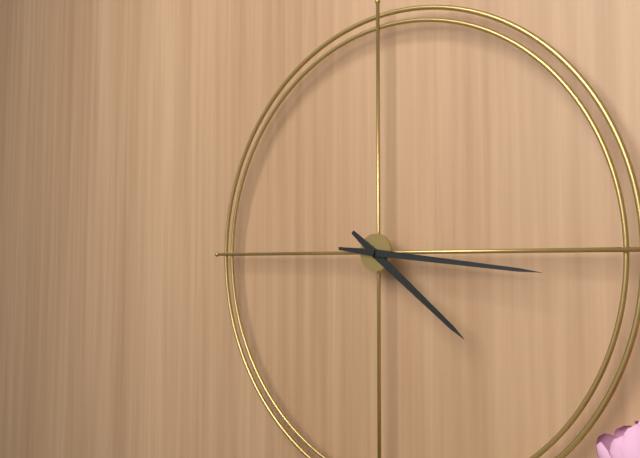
{"hour": 4, "minute": 16}
